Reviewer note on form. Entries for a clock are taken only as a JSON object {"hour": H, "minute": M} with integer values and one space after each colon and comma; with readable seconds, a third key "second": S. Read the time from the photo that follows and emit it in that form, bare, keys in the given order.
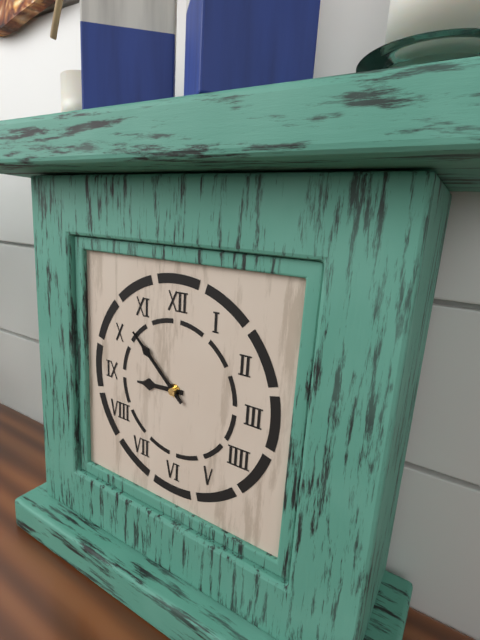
{"hour": 8, "minute": 52}
